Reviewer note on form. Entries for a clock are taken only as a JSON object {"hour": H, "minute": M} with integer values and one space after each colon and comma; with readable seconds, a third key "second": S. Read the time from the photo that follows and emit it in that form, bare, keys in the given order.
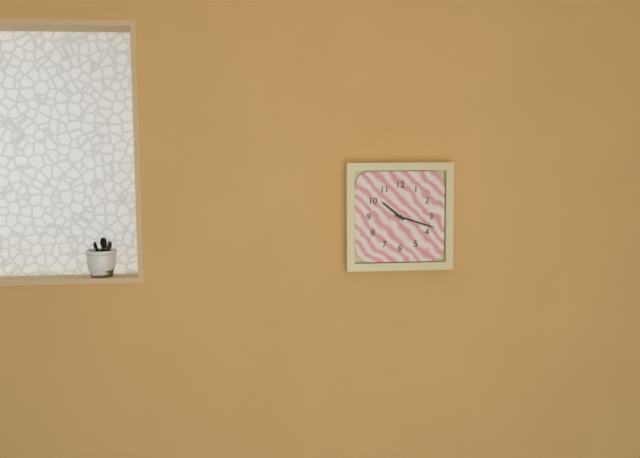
{"hour": 10, "minute": 18}
